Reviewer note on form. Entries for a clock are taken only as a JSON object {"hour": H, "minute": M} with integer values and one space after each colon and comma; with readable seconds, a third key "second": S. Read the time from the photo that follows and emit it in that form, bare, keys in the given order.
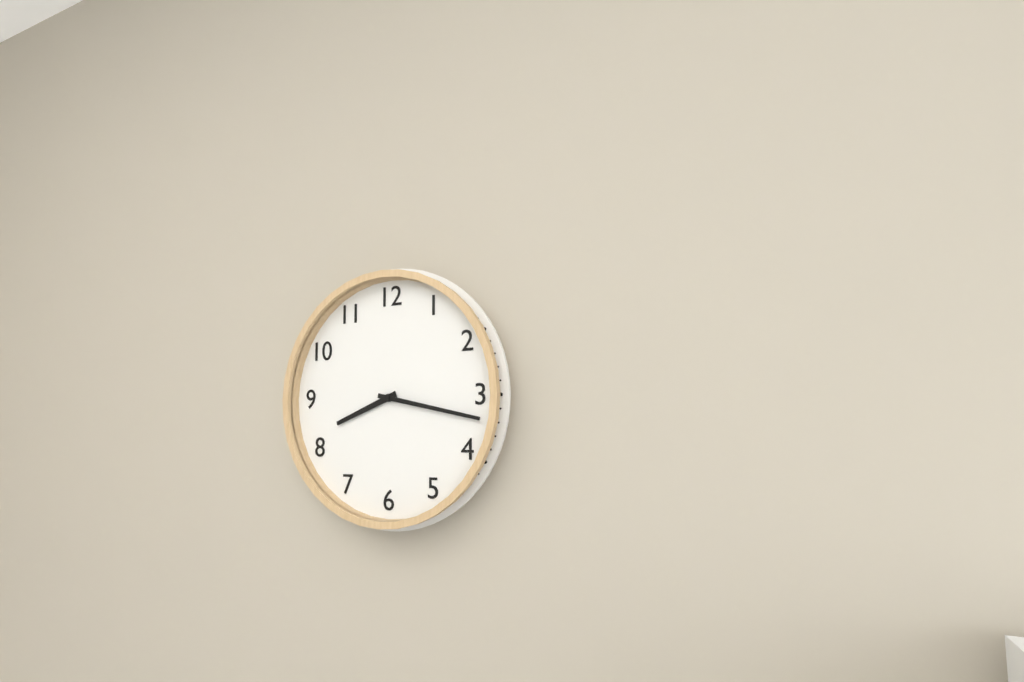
{"hour": 8, "minute": 17}
